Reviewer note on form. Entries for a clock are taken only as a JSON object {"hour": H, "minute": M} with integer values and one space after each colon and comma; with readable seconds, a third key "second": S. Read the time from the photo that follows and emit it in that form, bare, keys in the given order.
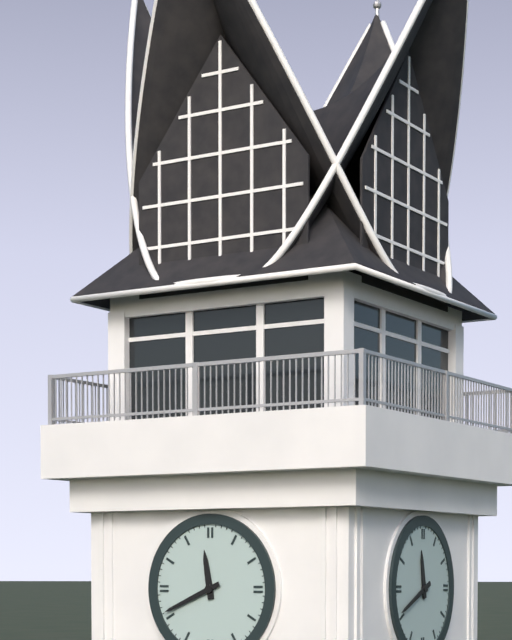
{"hour": 11, "minute": 41}
